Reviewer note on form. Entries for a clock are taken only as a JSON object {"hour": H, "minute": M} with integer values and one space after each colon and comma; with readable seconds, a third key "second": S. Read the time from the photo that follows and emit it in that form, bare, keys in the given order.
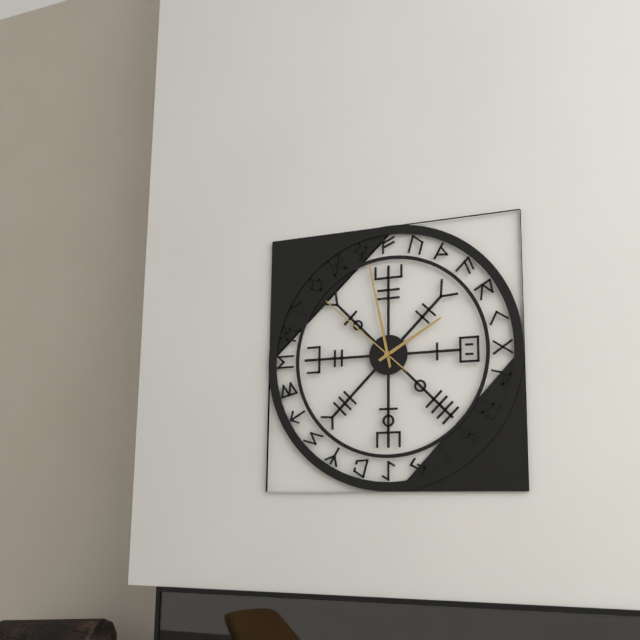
{"hour": 1, "minute": 58, "second": 52}
